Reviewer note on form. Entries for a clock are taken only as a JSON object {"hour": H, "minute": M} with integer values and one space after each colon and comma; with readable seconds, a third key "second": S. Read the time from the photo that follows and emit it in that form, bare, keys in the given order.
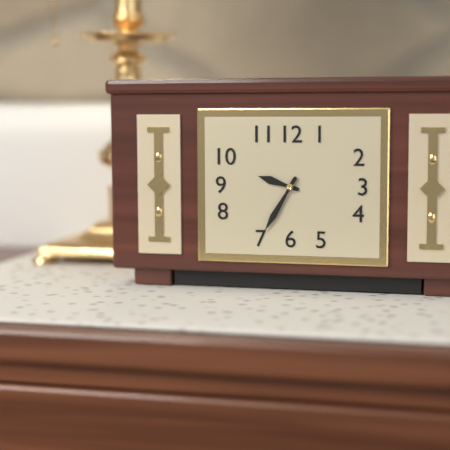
{"hour": 9, "minute": 35}
